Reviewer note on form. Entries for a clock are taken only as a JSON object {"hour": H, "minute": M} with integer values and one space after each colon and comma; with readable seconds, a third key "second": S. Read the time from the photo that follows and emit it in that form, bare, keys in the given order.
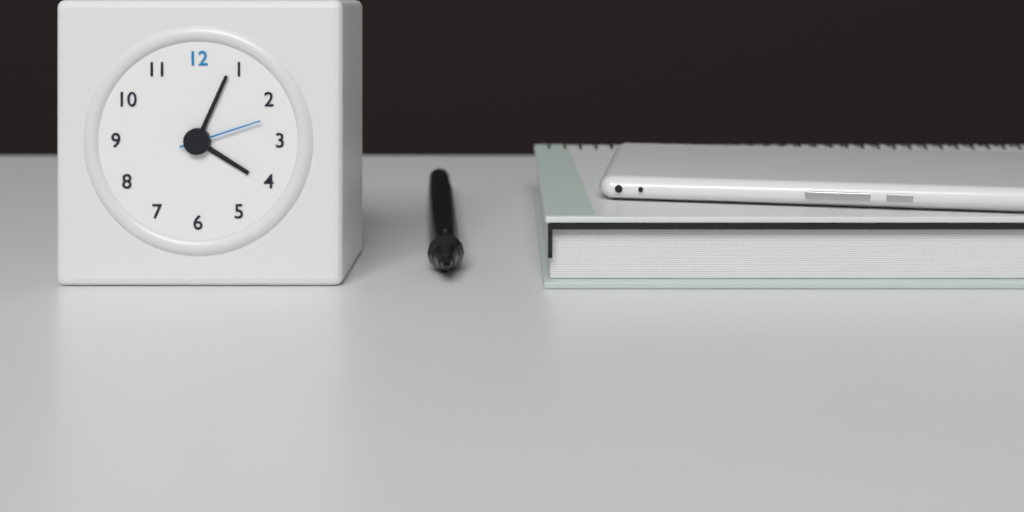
{"hour": 4, "minute": 4, "second": 12}
